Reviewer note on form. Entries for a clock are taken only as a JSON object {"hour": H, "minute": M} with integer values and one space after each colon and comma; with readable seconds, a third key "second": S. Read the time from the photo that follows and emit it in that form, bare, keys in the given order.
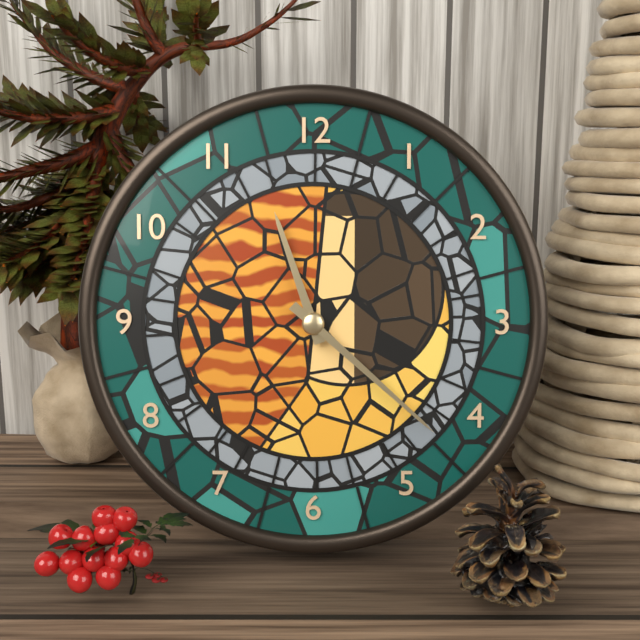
{"hour": 11, "minute": 22}
